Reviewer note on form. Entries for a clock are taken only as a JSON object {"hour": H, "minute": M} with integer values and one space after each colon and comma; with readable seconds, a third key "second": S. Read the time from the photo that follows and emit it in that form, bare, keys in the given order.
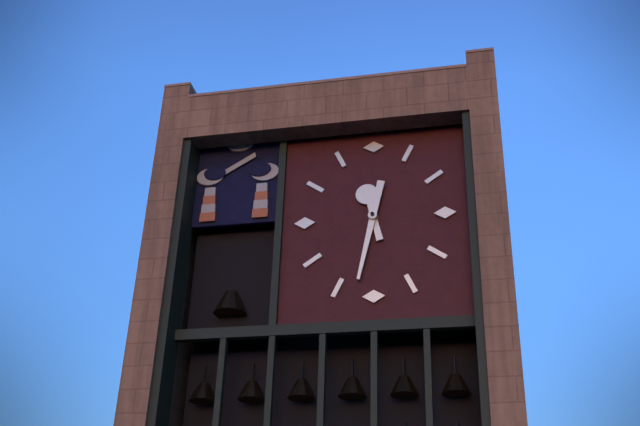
{"hour": 11, "minute": 32}
